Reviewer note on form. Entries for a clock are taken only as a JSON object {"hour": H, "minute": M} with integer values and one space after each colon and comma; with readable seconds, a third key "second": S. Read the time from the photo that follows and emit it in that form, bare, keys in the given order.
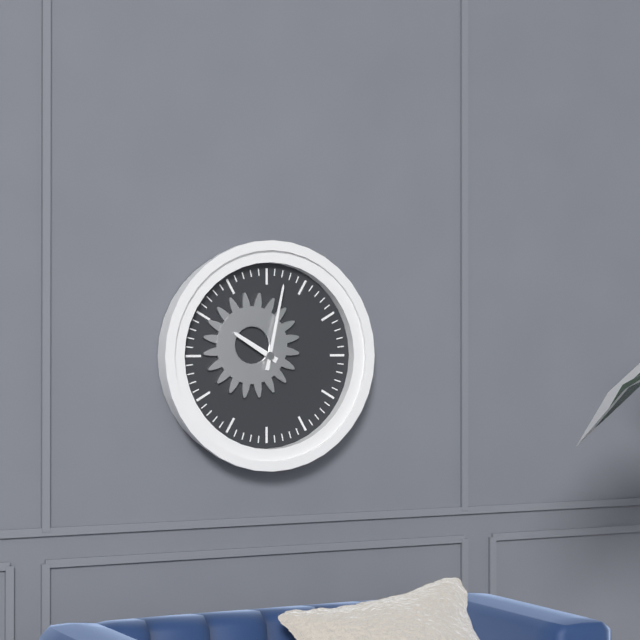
{"hour": 10, "minute": 2}
